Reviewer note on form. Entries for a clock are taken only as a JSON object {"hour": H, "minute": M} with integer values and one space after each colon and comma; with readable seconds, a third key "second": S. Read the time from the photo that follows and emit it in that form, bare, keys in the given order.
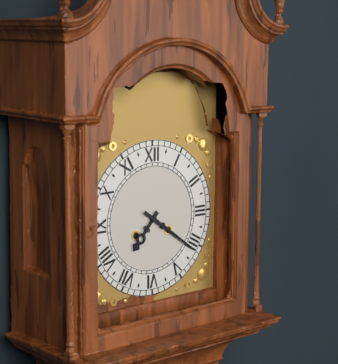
{"hour": 7, "minute": 21}
